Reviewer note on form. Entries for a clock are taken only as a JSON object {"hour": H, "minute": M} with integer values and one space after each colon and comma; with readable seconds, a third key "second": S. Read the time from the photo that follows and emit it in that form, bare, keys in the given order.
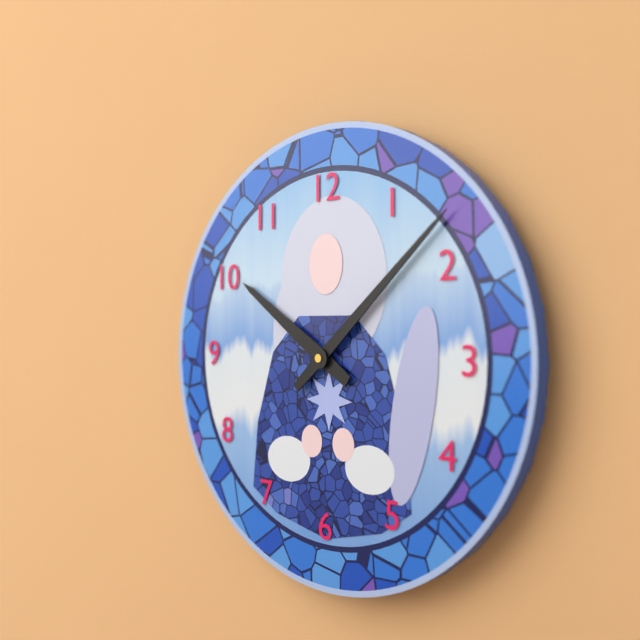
{"hour": 10, "minute": 8}
